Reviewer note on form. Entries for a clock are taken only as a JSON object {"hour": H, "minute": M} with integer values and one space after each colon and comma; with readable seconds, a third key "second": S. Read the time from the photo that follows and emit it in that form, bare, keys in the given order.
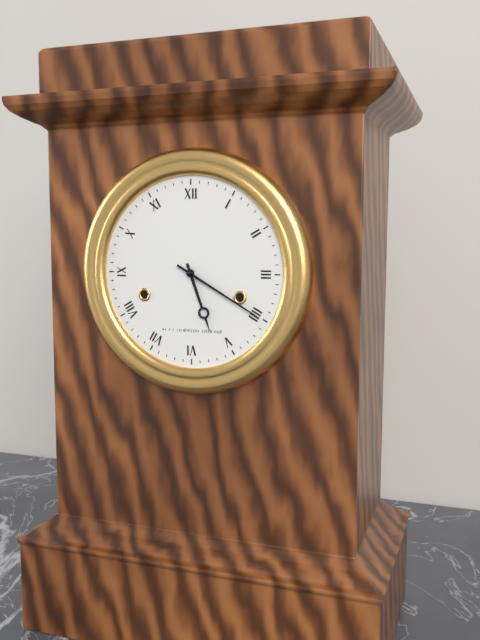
{"hour": 5, "minute": 20}
